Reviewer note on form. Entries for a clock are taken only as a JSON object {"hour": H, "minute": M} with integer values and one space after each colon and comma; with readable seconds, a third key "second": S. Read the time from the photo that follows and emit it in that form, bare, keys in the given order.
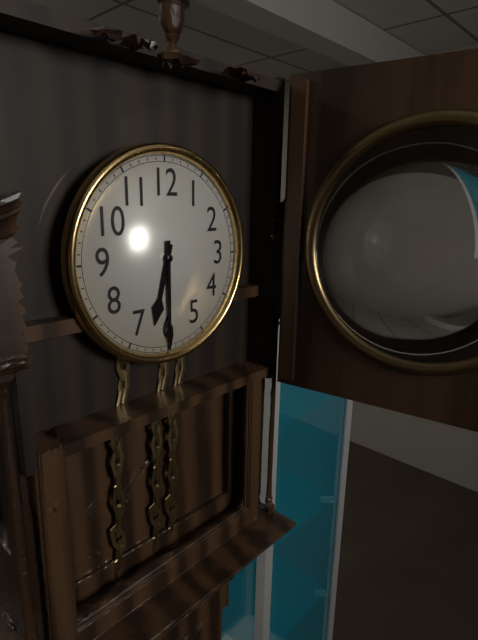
{"hour": 6, "minute": 30}
